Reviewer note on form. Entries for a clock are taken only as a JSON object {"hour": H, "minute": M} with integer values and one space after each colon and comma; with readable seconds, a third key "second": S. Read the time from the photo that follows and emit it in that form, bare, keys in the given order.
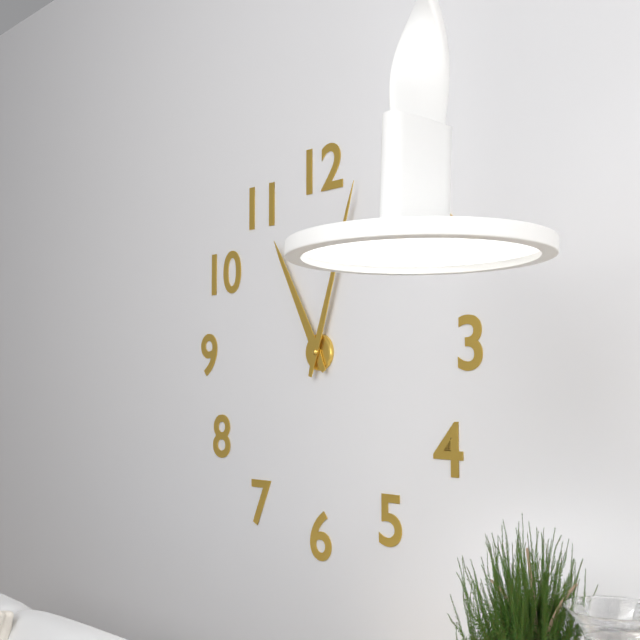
{"hour": 11, "minute": 3}
